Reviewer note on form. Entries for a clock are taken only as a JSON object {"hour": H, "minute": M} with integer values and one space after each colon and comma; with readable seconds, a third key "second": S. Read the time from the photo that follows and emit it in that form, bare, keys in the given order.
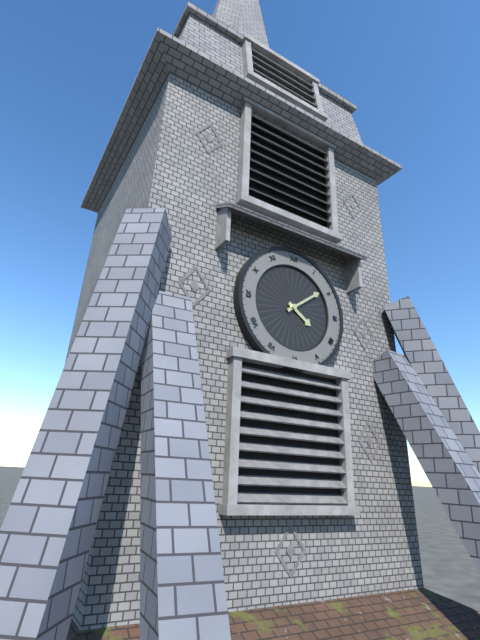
{"hour": 4, "minute": 9}
